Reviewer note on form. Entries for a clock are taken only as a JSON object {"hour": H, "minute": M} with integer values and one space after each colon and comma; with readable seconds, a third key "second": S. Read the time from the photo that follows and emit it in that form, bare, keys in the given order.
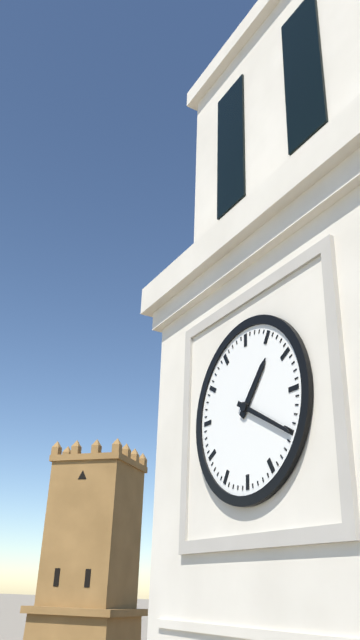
{"hour": 1, "minute": 20}
